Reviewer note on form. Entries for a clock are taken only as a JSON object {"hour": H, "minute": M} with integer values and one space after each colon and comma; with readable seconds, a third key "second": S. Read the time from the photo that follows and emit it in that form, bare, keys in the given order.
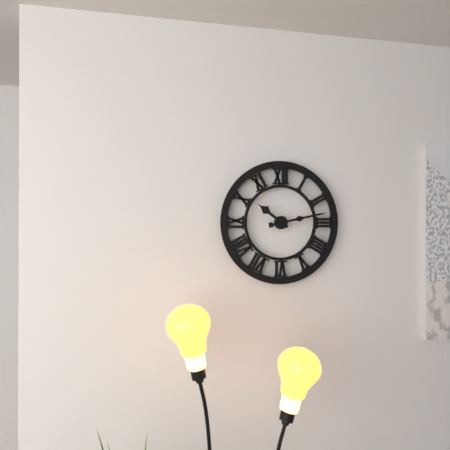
{"hour": 10, "minute": 13}
